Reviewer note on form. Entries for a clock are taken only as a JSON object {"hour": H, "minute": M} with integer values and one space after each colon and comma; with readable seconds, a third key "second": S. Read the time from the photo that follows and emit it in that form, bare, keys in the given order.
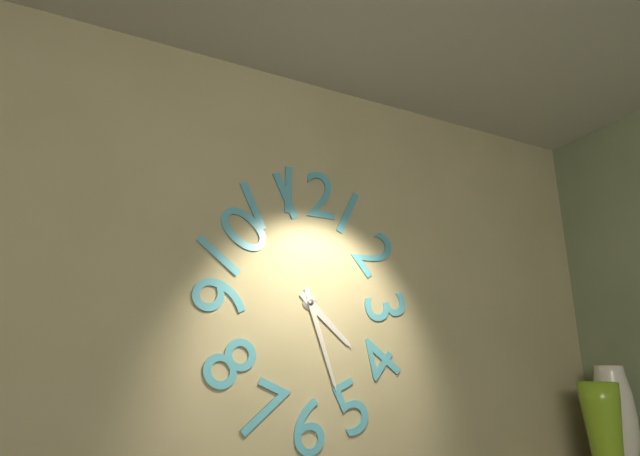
{"hour": 4, "minute": 27}
